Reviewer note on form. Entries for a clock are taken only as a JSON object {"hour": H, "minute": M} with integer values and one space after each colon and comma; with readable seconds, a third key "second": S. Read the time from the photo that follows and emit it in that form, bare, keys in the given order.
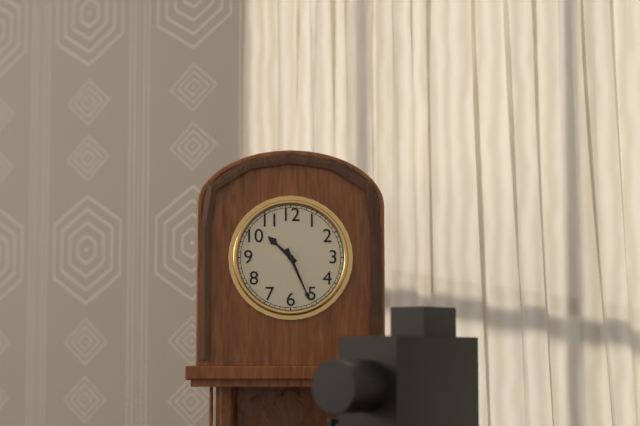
{"hour": 10, "minute": 26}
